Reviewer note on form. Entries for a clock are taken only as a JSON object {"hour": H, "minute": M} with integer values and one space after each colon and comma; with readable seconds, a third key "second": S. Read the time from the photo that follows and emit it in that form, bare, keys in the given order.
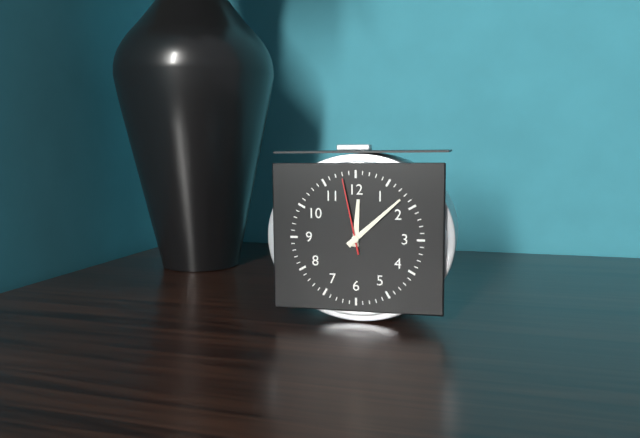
{"hour": 12, "minute": 8, "second": 58}
